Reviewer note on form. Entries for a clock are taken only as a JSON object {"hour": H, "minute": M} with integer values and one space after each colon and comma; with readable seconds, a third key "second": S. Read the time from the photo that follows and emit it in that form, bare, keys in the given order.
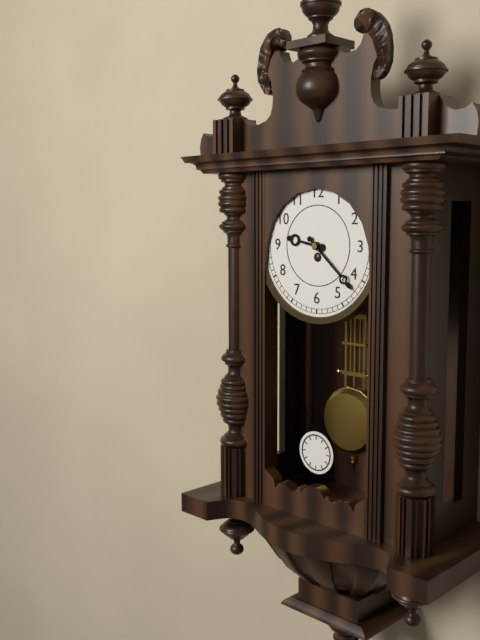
{"hour": 9, "minute": 22}
